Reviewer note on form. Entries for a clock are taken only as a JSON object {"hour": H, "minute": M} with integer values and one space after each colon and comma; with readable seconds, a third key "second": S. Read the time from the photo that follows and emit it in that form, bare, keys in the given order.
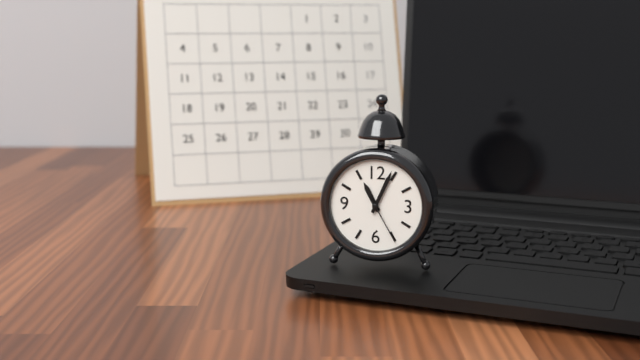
{"hour": 11, "minute": 4, "second": 25}
